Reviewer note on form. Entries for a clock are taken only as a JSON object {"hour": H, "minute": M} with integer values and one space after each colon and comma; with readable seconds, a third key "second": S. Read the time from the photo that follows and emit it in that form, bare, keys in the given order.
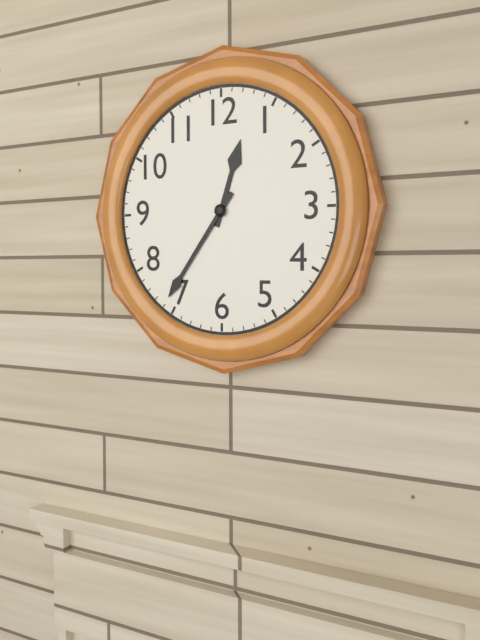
{"hour": 12, "minute": 36}
